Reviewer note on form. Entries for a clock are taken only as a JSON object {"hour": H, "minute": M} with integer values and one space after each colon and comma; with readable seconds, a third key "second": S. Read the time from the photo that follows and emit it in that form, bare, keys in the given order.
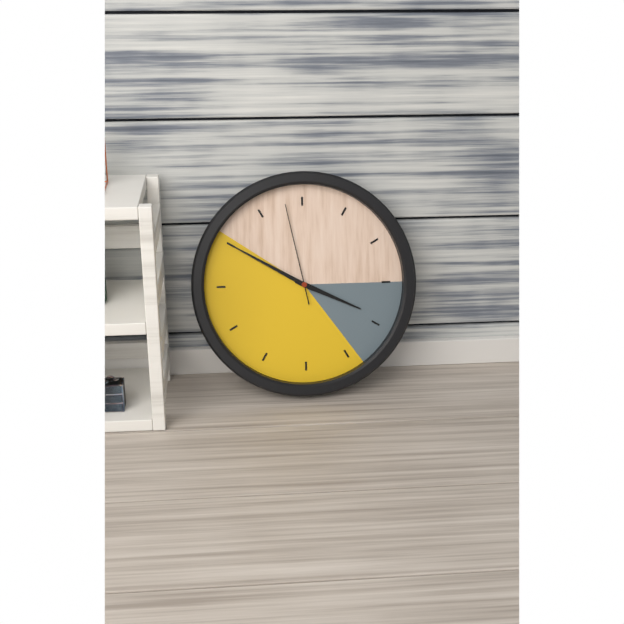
{"hour": 3, "minute": 50, "second": 58}
